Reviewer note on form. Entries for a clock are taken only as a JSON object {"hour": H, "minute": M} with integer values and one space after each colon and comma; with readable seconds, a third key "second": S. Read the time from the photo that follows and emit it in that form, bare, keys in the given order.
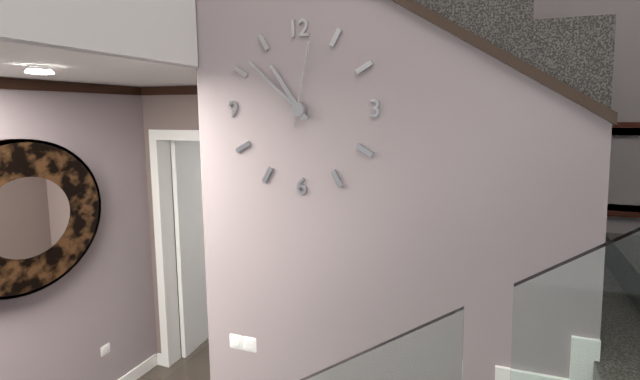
{"hour": 10, "minute": 52, "second": 2}
